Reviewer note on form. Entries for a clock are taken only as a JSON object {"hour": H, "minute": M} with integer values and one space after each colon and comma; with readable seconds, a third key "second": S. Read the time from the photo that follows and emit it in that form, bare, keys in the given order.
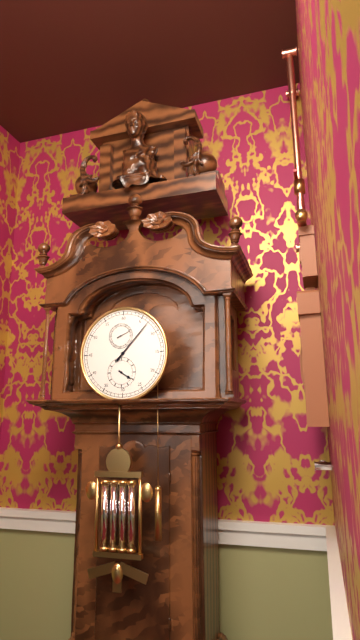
{"hour": 4, "minute": 7}
